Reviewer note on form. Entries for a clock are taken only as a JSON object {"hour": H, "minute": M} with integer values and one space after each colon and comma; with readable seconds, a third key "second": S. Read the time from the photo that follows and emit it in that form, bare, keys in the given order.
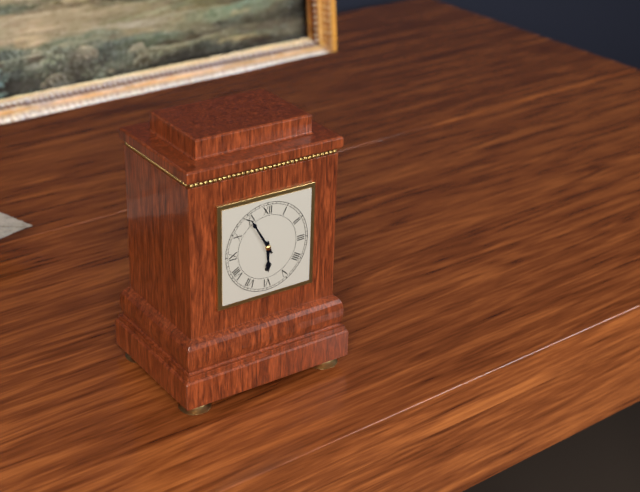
{"hour": 5, "minute": 55}
